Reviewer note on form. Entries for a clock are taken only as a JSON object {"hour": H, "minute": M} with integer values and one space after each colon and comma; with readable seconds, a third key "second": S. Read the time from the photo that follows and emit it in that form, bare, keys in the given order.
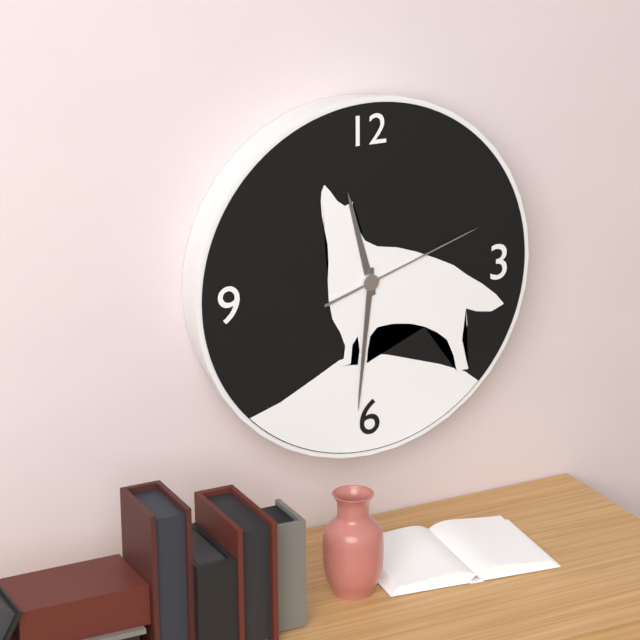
{"hour": 11, "minute": 31, "second": 12}
